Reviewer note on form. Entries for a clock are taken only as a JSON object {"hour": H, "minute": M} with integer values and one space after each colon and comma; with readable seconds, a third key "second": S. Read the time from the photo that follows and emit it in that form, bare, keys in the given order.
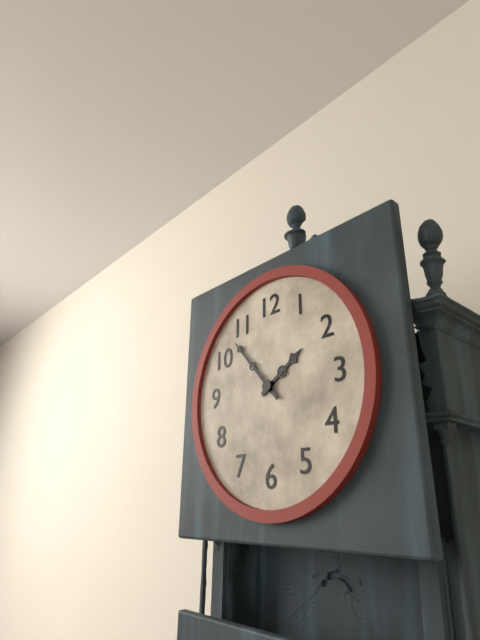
{"hour": 1, "minute": 53}
